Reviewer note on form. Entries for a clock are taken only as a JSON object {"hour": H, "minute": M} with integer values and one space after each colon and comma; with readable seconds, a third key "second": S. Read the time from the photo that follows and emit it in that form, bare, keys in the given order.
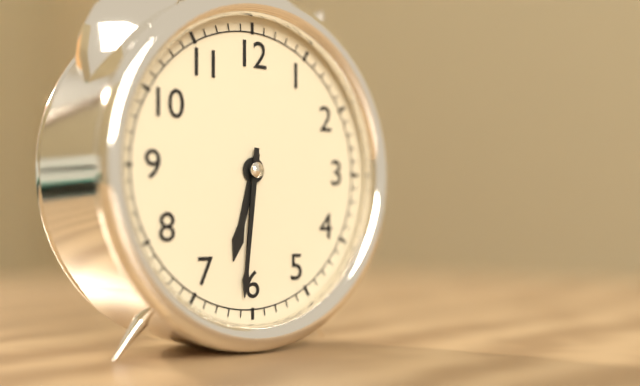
{"hour": 6, "minute": 31}
